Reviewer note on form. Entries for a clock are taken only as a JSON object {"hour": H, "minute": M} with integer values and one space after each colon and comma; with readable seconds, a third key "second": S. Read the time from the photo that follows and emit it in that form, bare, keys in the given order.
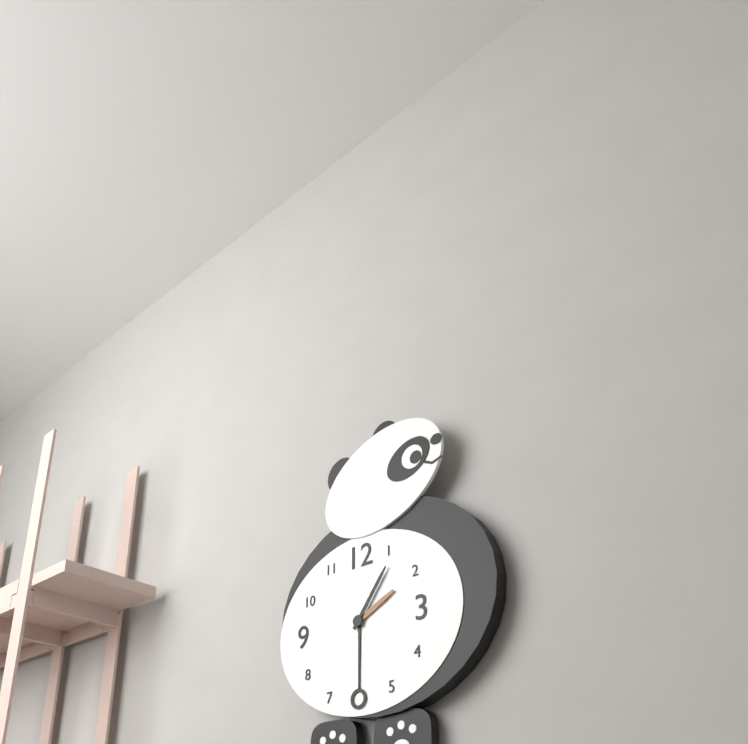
{"hour": 2, "minute": 6}
